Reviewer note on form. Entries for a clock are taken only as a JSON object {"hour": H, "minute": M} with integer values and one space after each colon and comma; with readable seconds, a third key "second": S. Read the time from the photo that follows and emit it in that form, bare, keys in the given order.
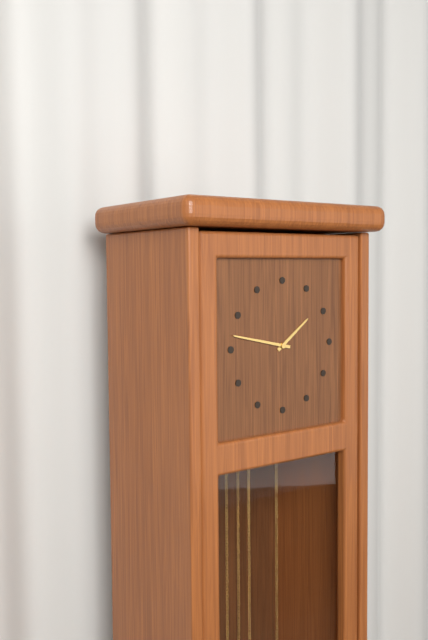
{"hour": 1, "minute": 47}
